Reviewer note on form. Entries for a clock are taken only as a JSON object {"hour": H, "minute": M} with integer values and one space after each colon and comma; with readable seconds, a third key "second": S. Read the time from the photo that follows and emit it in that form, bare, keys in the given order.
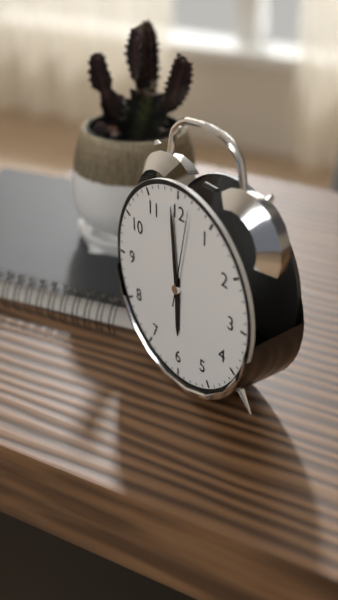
{"hour": 5, "minute": 59, "second": 2}
